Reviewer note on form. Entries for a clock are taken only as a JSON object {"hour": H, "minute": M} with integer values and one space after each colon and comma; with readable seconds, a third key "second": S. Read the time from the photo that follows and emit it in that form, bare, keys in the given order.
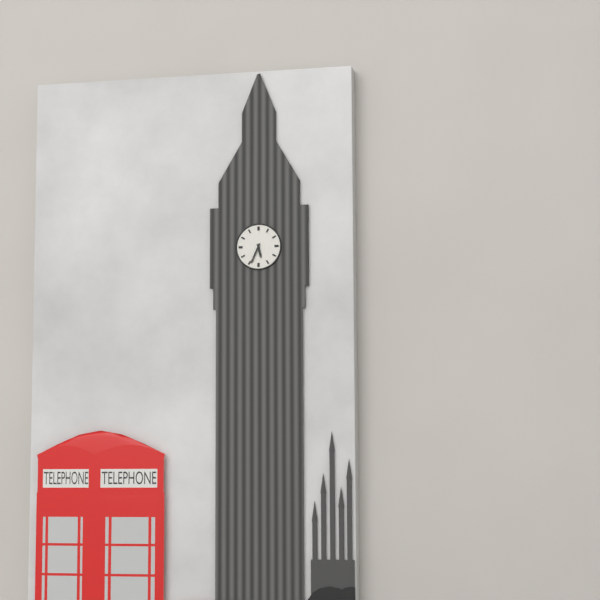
{"hour": 5, "minute": 34}
